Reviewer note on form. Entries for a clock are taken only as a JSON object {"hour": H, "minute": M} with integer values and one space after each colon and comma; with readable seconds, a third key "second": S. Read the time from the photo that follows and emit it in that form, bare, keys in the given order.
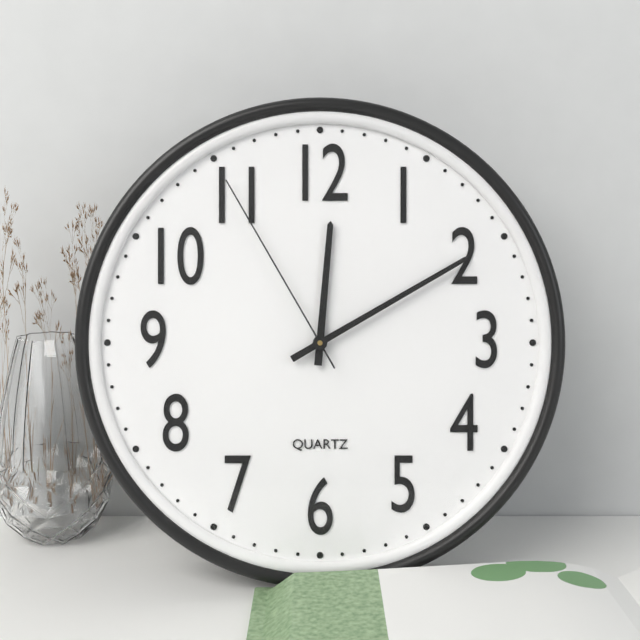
{"hour": 12, "minute": 10, "second": 55}
